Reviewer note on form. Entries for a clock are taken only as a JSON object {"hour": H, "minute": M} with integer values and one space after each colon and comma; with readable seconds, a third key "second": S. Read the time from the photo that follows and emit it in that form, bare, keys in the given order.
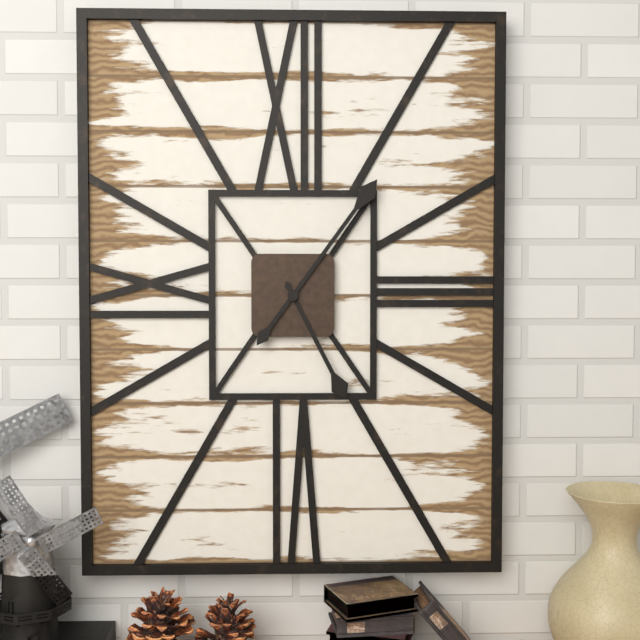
{"hour": 5, "minute": 6}
